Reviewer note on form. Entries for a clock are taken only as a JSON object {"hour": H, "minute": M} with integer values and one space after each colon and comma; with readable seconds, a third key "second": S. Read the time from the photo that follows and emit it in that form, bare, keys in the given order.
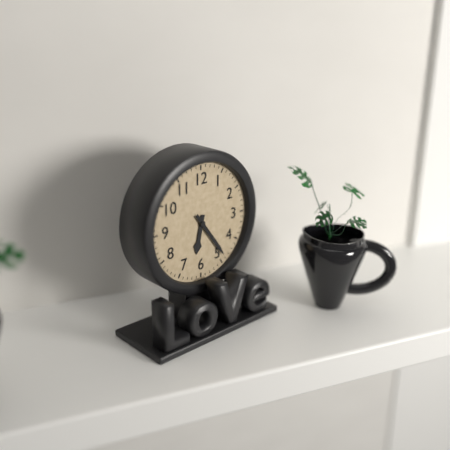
{"hour": 6, "minute": 24}
